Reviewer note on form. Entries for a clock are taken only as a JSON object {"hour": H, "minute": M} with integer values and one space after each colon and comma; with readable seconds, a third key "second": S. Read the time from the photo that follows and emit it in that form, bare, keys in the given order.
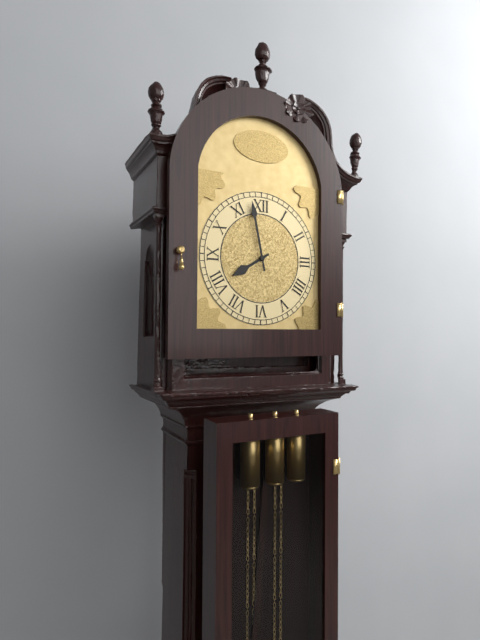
{"hour": 7, "minute": 58}
